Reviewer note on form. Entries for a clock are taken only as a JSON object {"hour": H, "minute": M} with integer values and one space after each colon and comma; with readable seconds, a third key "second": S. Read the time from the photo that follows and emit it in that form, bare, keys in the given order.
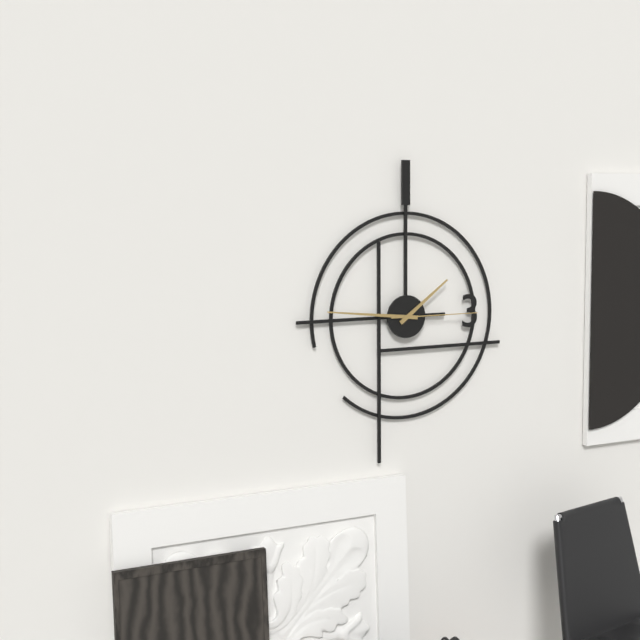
{"hour": 1, "minute": 46, "second": 15}
